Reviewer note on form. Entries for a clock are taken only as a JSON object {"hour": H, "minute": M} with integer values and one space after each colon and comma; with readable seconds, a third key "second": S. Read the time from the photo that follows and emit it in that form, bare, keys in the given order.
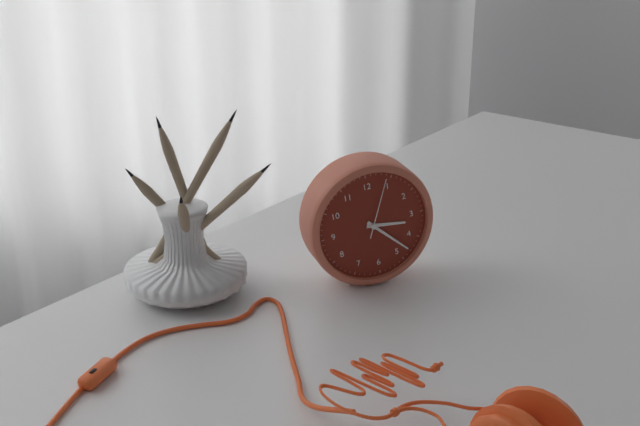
{"hour": 3, "minute": 23, "second": 4}
